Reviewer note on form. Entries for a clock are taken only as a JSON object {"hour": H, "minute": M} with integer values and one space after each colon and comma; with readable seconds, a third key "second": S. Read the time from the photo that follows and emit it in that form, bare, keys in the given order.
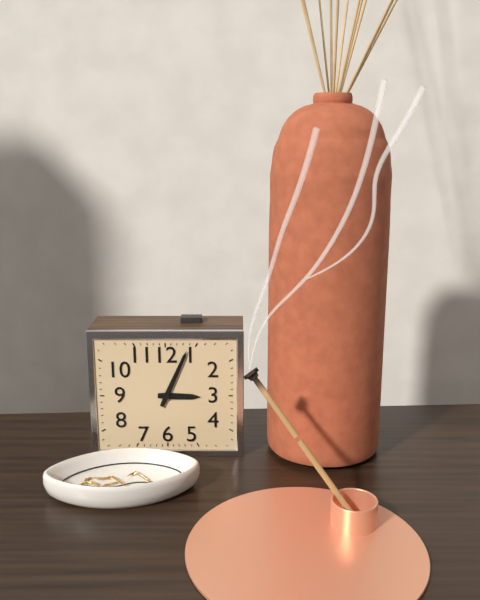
{"hour": 3, "minute": 4}
